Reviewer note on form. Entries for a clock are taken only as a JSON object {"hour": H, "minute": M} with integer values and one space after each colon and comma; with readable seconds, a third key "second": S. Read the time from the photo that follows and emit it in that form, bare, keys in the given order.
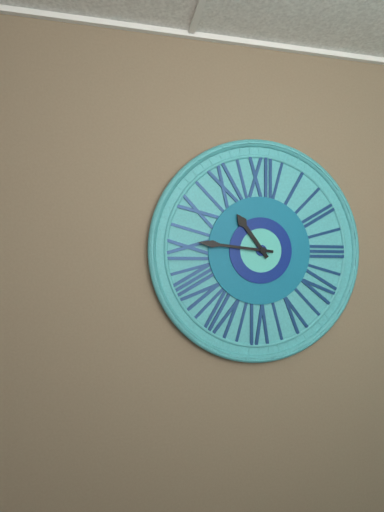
{"hour": 10, "minute": 46}
